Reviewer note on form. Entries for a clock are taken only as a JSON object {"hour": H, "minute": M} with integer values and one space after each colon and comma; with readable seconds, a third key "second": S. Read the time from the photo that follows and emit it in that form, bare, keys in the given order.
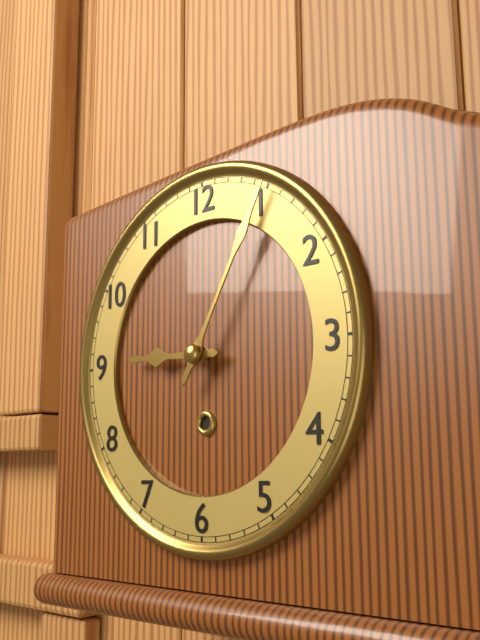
{"hour": 9, "minute": 5}
